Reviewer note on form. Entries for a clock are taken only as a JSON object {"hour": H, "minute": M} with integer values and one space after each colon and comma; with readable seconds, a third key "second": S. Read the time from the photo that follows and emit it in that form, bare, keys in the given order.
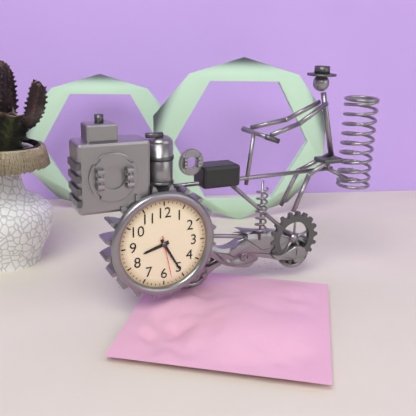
{"hour": 8, "minute": 25}
